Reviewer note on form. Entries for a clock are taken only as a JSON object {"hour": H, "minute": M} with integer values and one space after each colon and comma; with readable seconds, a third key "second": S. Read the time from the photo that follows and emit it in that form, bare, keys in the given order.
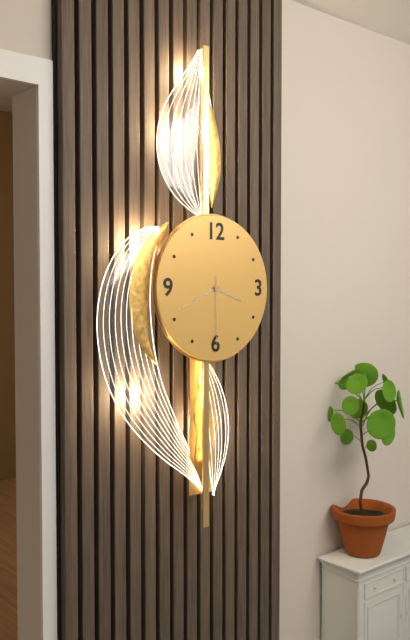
{"hour": 3, "minute": 41, "second": 30}
